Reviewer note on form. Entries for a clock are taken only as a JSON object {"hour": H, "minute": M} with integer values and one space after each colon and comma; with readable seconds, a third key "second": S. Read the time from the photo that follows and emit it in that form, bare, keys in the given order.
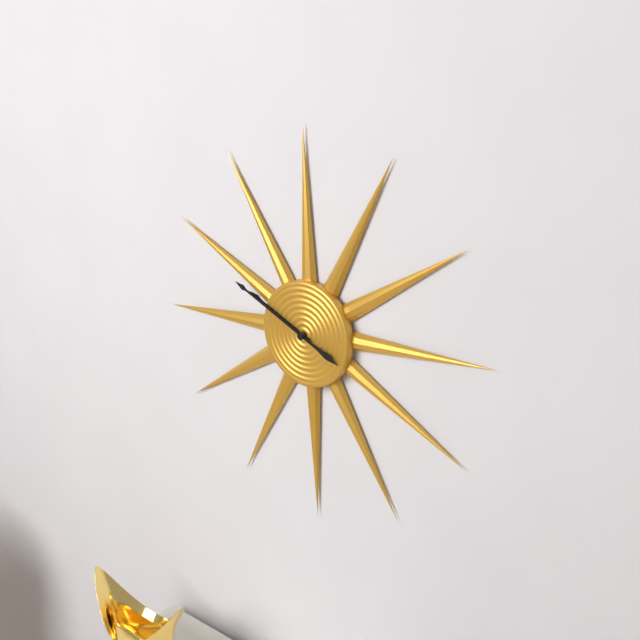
{"hour": 9, "minute": 49}
